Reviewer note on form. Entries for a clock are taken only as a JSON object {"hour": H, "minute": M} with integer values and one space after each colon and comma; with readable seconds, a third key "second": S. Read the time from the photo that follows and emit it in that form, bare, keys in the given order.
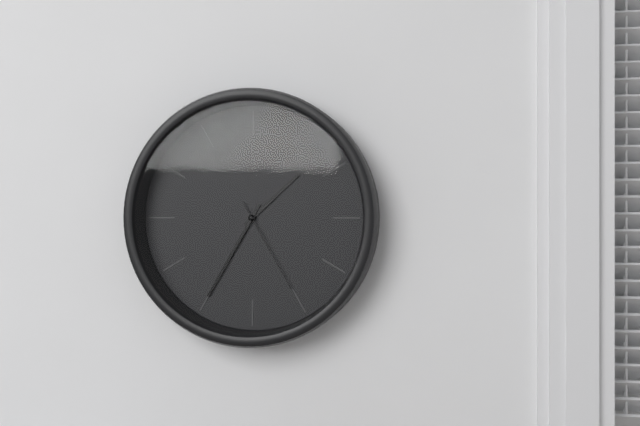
{"hour": 1, "minute": 35, "second": 25}
